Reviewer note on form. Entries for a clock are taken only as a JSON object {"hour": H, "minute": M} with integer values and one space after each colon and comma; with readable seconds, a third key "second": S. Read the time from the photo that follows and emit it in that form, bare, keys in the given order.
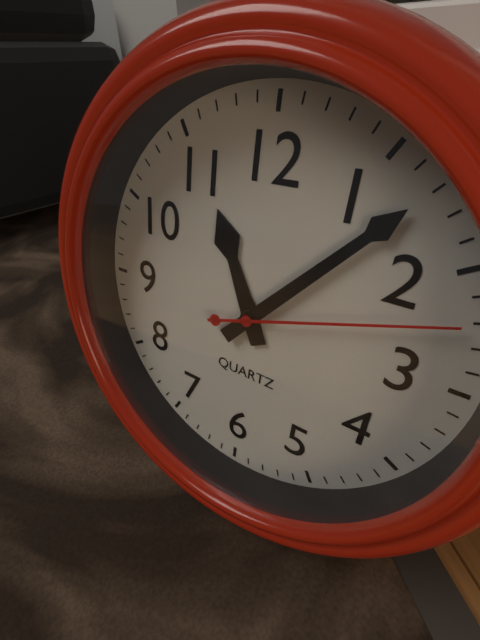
{"hour": 11, "minute": 7, "second": 12}
